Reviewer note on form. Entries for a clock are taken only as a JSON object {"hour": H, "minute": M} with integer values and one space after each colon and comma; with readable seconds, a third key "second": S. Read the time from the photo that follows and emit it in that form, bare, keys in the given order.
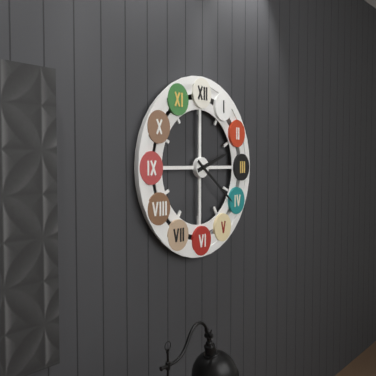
{"hour": 2, "minute": 21}
